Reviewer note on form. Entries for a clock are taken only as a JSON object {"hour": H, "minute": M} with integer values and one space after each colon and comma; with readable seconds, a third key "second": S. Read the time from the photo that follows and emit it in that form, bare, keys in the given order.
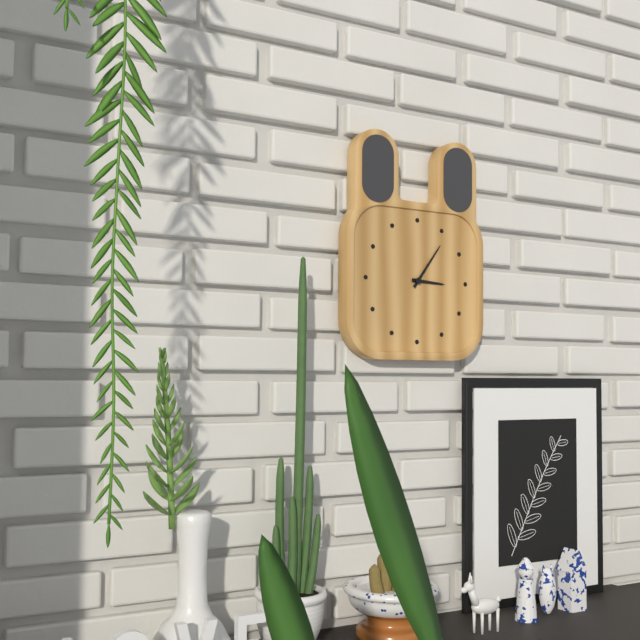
{"hour": 3, "minute": 6}
